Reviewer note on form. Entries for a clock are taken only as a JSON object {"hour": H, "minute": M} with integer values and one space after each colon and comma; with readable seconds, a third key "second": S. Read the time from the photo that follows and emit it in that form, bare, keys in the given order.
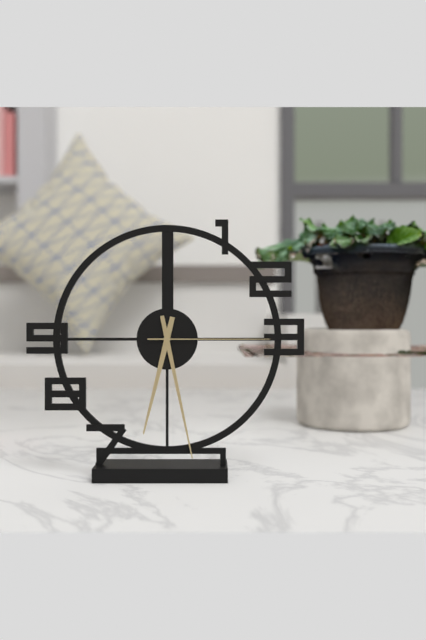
{"hour": 6, "minute": 28, "second": 15}
